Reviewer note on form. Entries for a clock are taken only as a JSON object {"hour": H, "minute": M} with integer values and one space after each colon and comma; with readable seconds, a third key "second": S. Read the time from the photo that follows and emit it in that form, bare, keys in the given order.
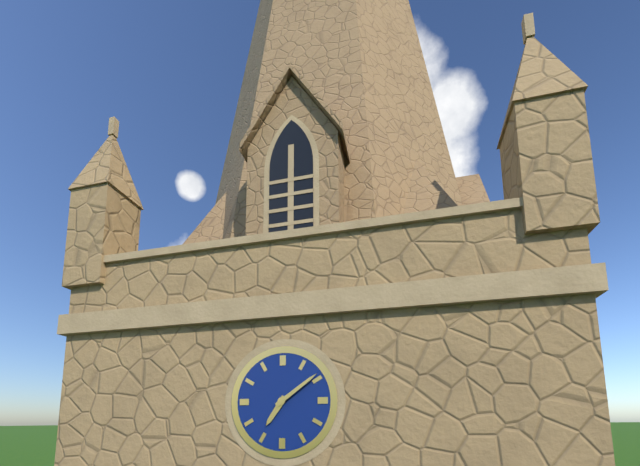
{"hour": 7, "minute": 9}
